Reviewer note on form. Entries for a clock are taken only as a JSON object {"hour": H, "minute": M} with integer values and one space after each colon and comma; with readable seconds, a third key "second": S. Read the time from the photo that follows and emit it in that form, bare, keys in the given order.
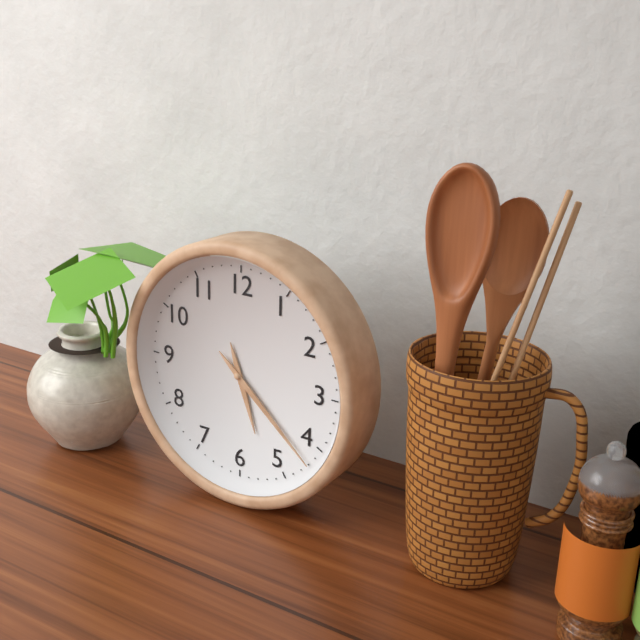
{"hour": 5, "minute": 22}
